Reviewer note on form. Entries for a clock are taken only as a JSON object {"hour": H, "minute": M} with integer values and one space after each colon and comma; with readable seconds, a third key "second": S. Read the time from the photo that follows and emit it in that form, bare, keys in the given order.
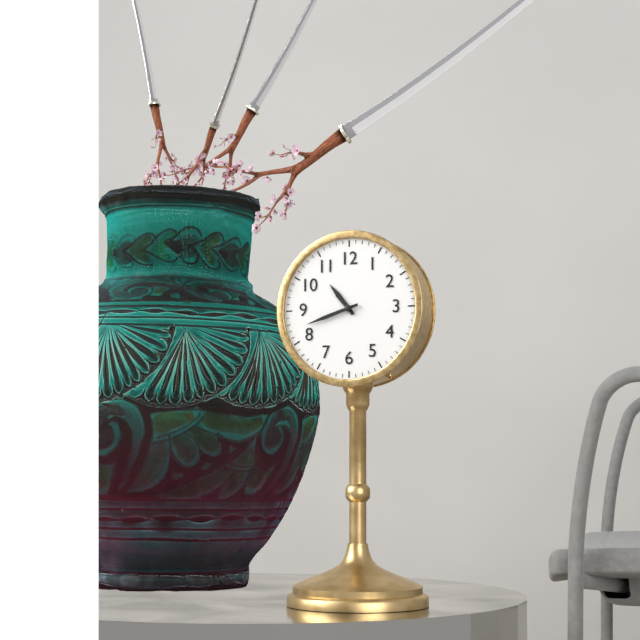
{"hour": 10, "minute": 42}
